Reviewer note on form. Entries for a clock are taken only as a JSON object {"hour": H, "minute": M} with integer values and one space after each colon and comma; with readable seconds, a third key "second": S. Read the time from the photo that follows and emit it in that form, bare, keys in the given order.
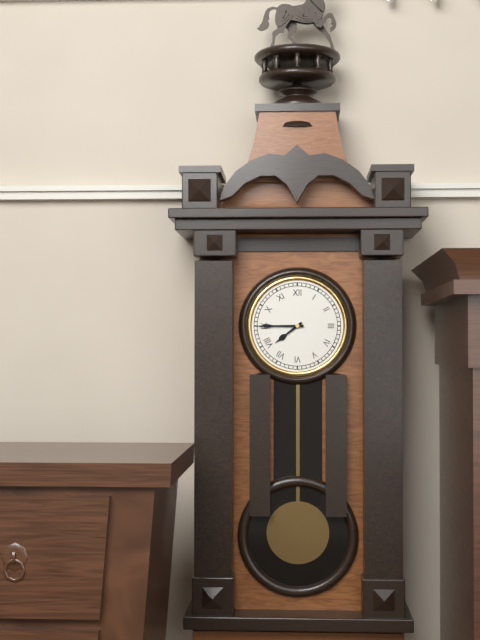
{"hour": 7, "minute": 45}
